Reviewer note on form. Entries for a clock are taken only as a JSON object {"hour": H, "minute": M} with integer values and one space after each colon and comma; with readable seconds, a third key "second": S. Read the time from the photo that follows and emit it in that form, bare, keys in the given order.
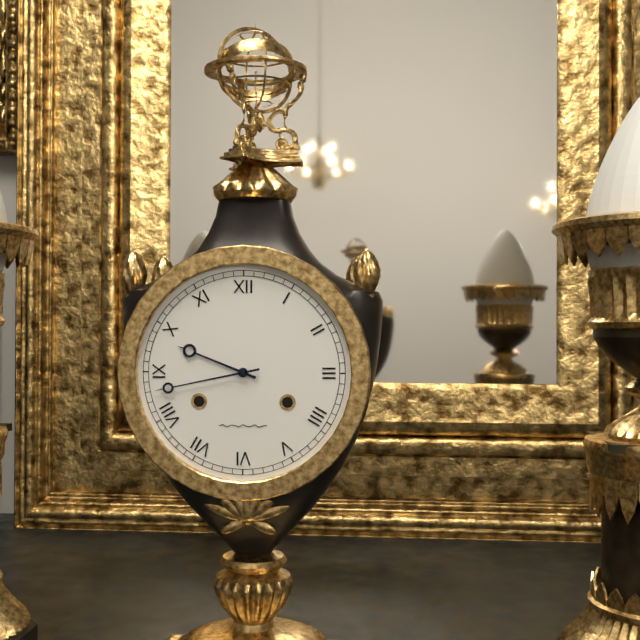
{"hour": 9, "minute": 43}
